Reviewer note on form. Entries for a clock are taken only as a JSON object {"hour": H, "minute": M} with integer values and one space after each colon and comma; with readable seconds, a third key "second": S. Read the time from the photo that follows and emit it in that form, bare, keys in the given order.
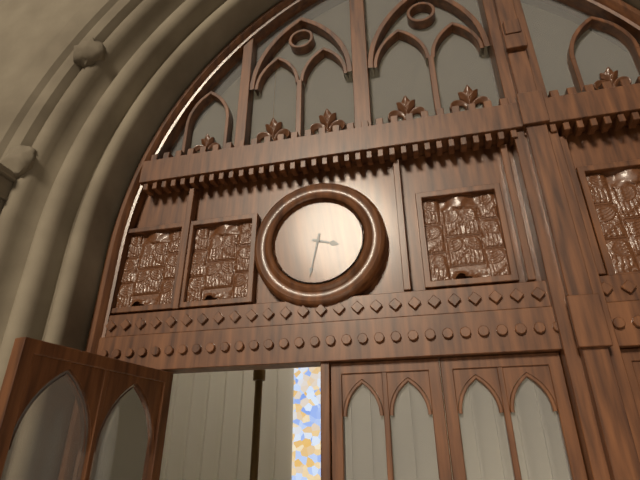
{"hour": 3, "minute": 32}
